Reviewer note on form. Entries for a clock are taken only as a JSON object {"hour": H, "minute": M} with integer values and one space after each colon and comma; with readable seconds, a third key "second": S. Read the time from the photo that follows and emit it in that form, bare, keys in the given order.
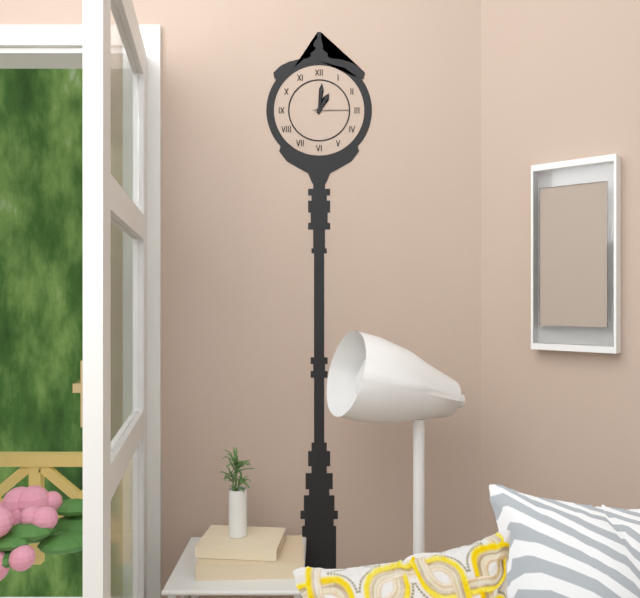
{"hour": 1, "minute": 1}
